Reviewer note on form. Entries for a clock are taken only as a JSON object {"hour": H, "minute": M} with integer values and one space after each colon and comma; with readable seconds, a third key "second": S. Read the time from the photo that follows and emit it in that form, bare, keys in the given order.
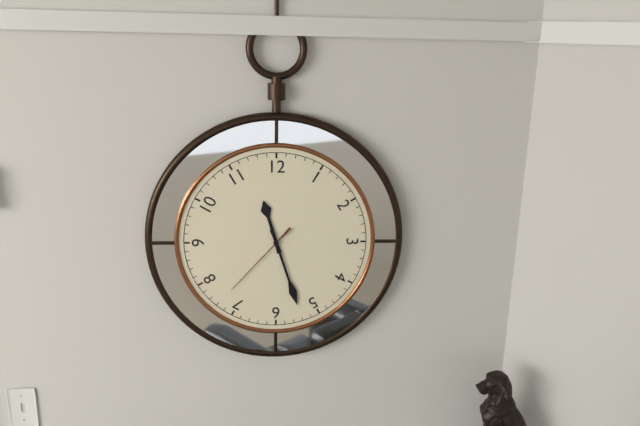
{"hour": 11, "minute": 27, "second": 37}
